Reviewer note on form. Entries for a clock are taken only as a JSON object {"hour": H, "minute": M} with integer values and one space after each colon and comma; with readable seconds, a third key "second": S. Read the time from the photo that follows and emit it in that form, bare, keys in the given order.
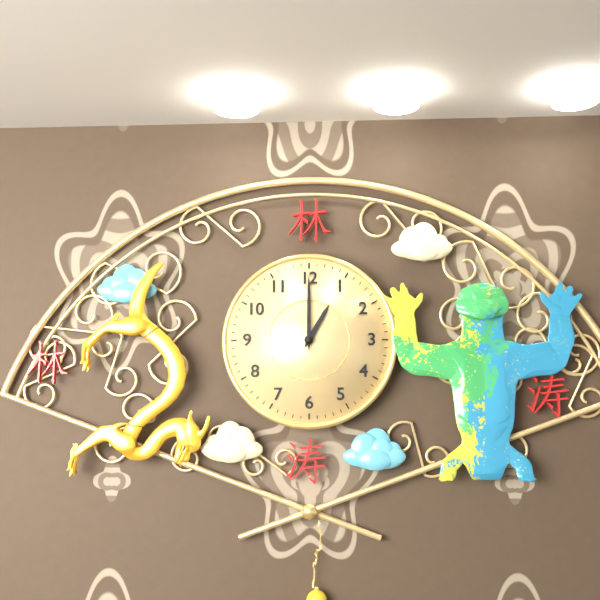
{"hour": 1, "minute": 0}
